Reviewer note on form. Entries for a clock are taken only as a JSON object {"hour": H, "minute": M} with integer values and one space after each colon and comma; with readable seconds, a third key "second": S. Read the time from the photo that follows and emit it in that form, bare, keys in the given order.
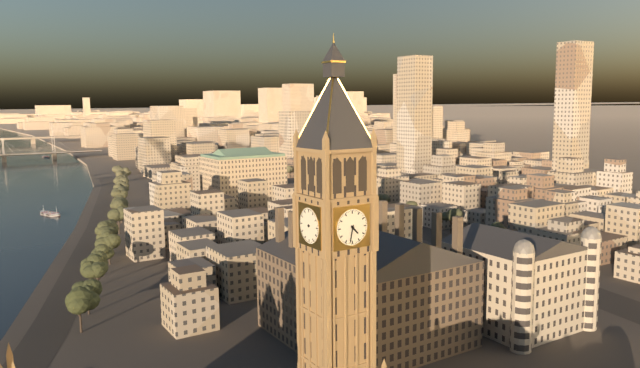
{"hour": 4, "minute": 32}
